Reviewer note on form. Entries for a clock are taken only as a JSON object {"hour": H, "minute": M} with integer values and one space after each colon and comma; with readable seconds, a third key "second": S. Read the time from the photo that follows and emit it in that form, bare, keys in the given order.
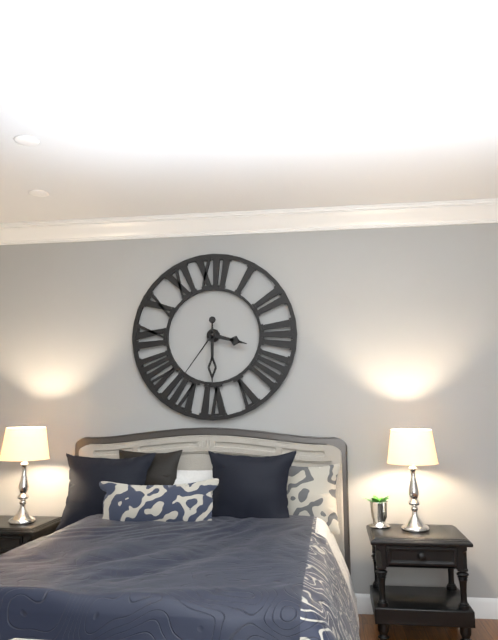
{"hour": 3, "minute": 30, "second": 36}
